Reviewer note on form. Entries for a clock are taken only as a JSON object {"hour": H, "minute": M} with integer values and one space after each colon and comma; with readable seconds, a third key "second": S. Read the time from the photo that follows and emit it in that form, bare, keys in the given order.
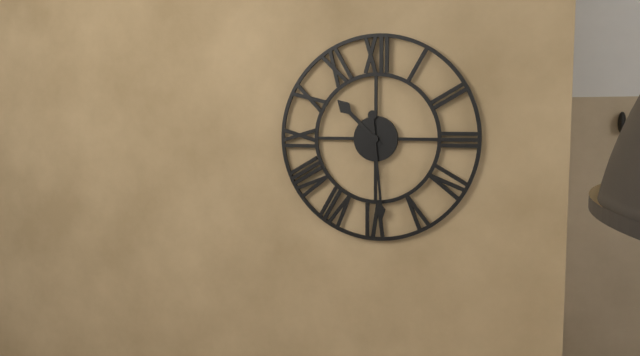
{"hour": 10, "minute": 29}
